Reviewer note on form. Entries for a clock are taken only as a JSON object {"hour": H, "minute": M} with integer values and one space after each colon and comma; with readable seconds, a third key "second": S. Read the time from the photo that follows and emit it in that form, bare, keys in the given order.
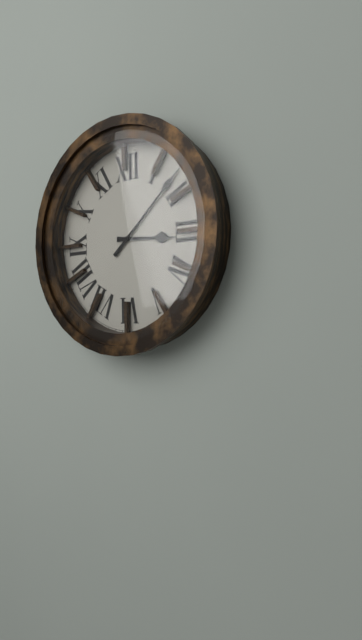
{"hour": 3, "minute": 8}
